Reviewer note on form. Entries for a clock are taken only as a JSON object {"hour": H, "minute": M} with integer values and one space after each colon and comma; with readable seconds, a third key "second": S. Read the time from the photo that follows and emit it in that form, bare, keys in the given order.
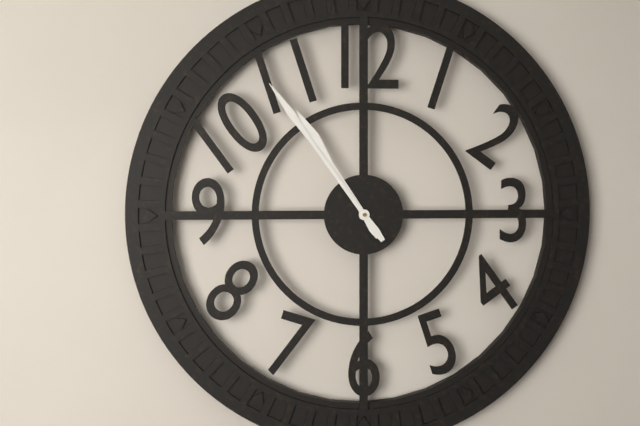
{"hour": 10, "minute": 54}
